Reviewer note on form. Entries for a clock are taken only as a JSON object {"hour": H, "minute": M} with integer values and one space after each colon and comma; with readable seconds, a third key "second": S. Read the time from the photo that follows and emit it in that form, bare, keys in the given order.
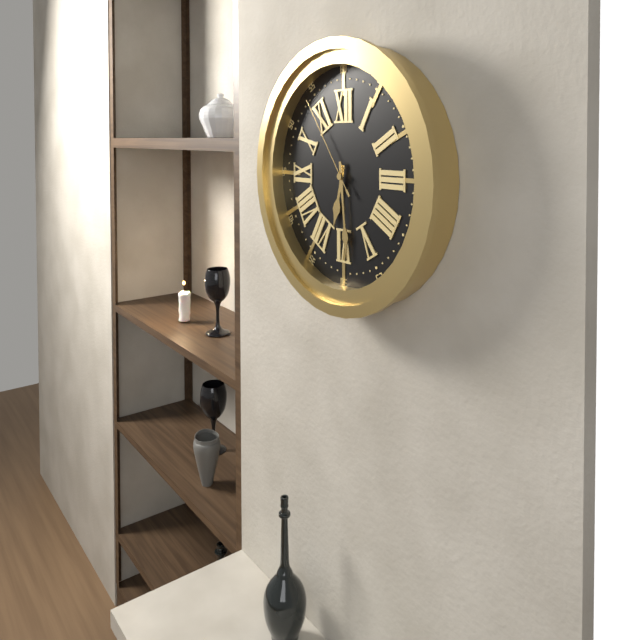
{"hour": 6, "minute": 29, "second": 54}
